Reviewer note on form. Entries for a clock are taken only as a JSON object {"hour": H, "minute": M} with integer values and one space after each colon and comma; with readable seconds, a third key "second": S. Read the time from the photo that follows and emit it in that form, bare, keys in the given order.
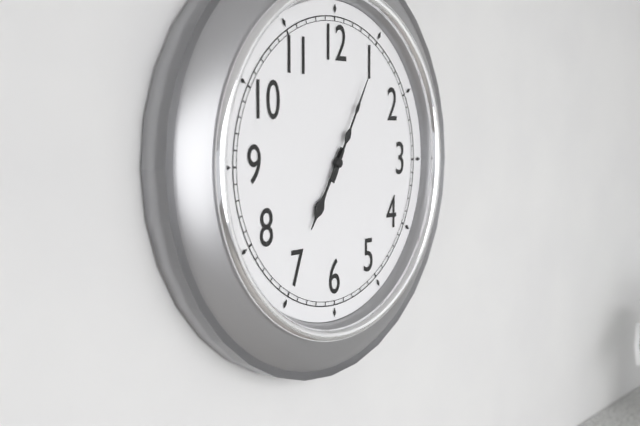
{"hour": 7, "minute": 5}
